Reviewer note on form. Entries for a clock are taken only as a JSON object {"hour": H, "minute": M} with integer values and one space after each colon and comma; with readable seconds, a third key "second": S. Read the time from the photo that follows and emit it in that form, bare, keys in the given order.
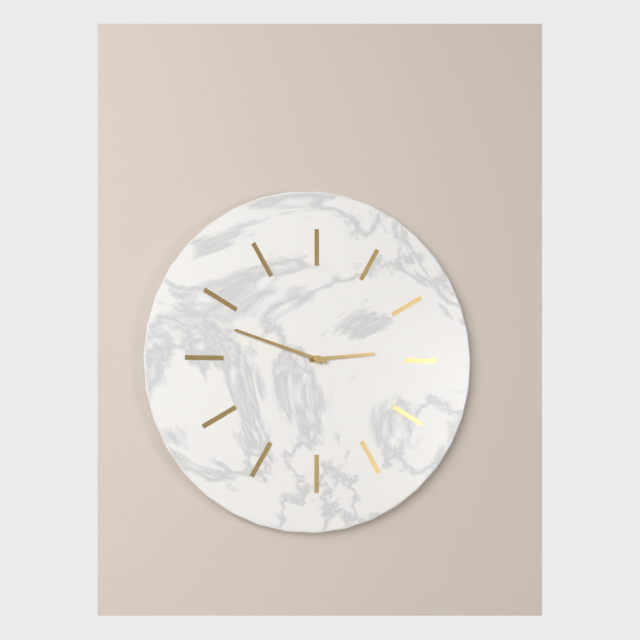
{"hour": 2, "minute": 48}
